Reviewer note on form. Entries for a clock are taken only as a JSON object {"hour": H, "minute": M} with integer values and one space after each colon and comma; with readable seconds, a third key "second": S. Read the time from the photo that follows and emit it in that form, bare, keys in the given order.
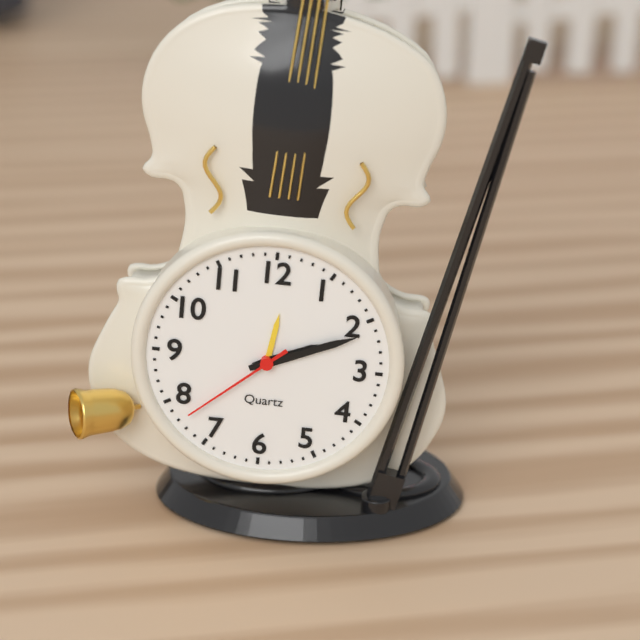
{"hour": 2, "minute": 11, "second": 38}
